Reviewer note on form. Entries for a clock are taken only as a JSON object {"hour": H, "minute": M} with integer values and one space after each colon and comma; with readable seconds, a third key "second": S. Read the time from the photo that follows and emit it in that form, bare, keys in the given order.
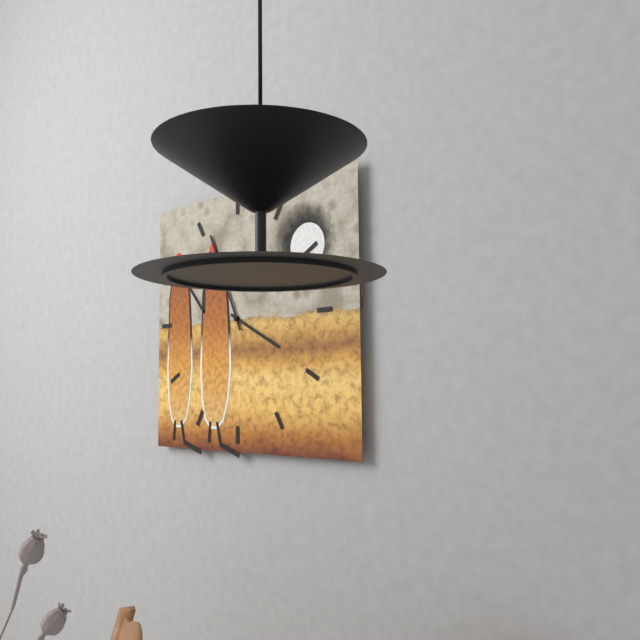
{"hour": 3, "minute": 56}
